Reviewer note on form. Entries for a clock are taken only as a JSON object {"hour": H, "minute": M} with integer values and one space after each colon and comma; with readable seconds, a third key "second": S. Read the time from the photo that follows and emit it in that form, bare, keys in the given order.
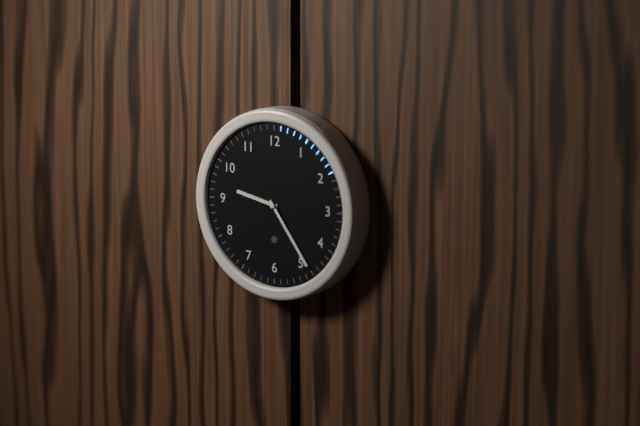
{"hour": 9, "minute": 24}
